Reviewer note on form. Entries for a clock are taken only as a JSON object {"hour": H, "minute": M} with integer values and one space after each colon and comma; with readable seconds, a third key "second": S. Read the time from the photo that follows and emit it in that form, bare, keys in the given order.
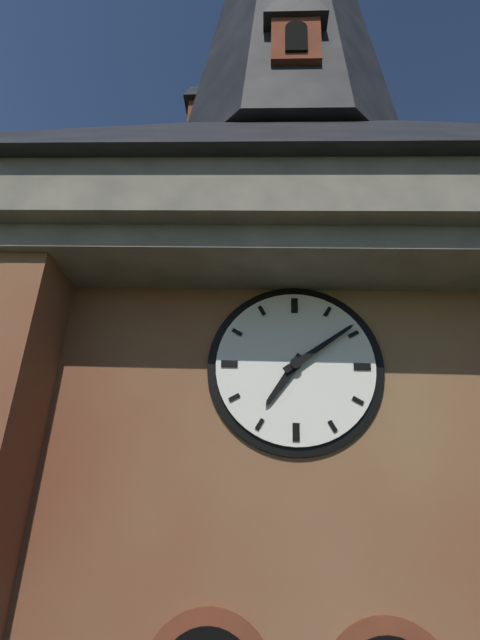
{"hour": 7, "minute": 9}
